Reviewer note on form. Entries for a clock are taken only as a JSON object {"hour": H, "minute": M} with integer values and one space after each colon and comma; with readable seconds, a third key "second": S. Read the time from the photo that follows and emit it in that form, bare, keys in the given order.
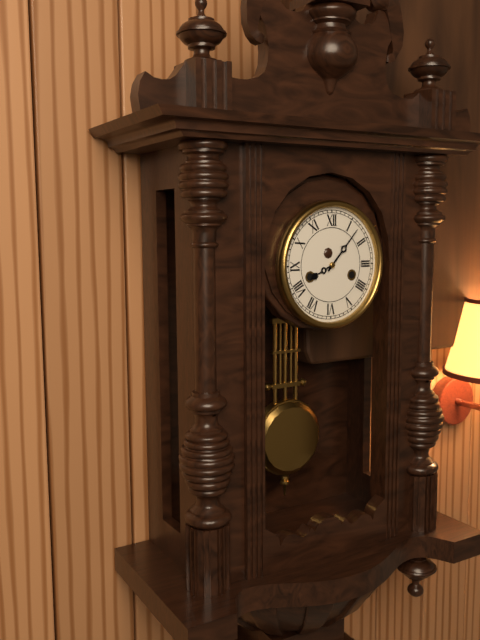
{"hour": 8, "minute": 7}
